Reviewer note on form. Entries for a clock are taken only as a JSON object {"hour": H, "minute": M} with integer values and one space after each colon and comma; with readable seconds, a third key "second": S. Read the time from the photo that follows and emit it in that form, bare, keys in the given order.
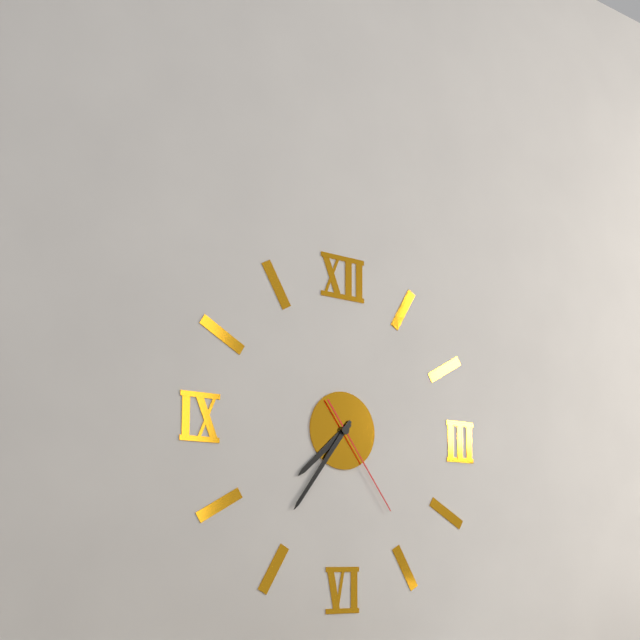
{"hour": 7, "minute": 36, "second": 24}
